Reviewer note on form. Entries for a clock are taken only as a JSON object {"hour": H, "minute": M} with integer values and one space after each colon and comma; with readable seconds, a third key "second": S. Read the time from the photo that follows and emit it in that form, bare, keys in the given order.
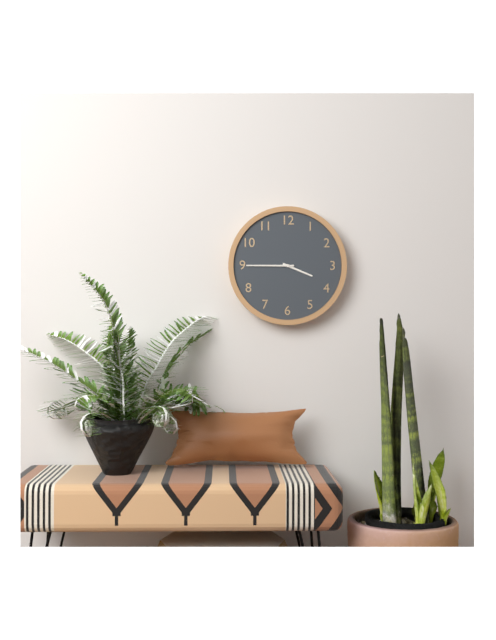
{"hour": 3, "minute": 45}
